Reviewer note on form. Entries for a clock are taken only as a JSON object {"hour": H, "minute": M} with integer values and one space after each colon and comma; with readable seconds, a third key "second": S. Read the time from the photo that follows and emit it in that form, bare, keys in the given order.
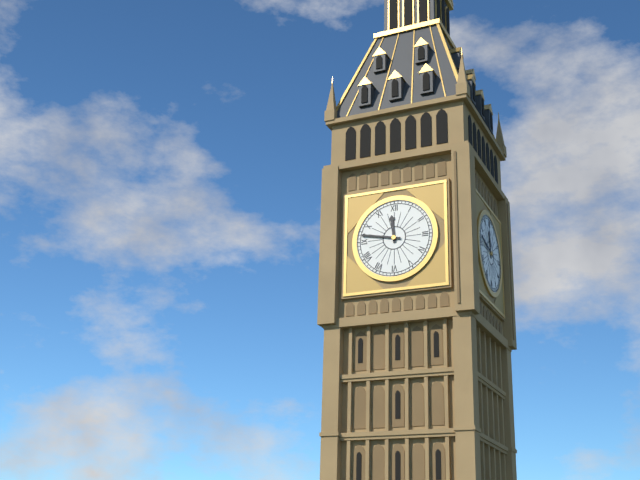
{"hour": 11, "minute": 47}
